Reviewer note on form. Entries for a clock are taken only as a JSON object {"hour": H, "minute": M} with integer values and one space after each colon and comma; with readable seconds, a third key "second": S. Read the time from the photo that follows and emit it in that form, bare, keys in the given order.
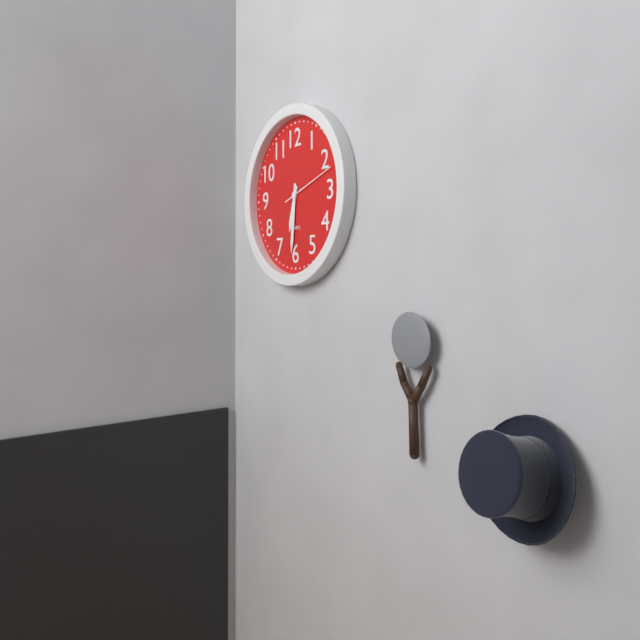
{"hour": 6, "minute": 31, "second": 12}
